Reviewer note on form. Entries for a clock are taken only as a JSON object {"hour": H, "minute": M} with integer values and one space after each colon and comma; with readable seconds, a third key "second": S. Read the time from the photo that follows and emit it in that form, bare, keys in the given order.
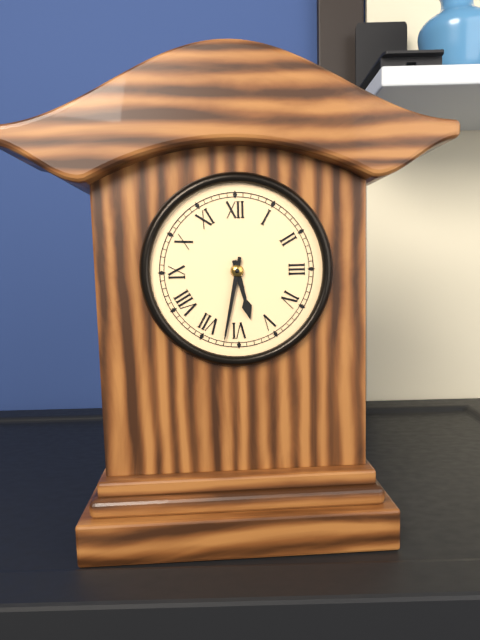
{"hour": 5, "minute": 32}
